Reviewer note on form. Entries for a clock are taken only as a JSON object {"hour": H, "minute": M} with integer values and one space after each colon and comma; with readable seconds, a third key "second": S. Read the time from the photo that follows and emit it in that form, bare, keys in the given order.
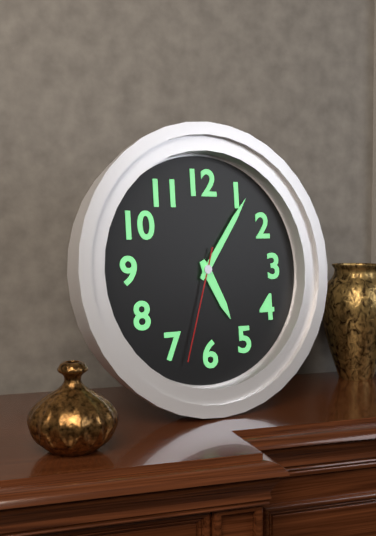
{"hour": 5, "minute": 6, "second": 33}
